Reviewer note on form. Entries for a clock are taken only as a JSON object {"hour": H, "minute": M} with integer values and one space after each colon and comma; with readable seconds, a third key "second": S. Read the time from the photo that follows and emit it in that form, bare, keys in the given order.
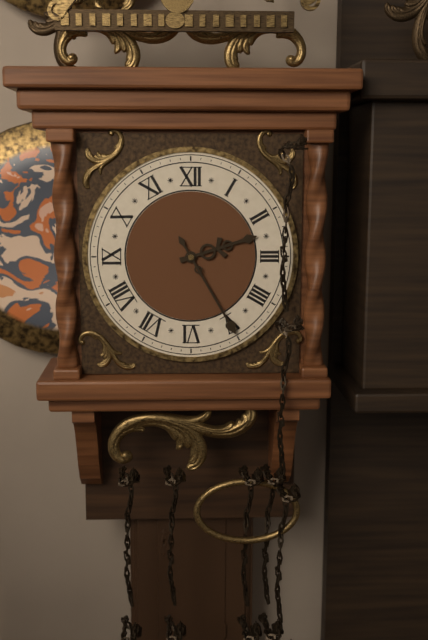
{"hour": 2, "minute": 25}
